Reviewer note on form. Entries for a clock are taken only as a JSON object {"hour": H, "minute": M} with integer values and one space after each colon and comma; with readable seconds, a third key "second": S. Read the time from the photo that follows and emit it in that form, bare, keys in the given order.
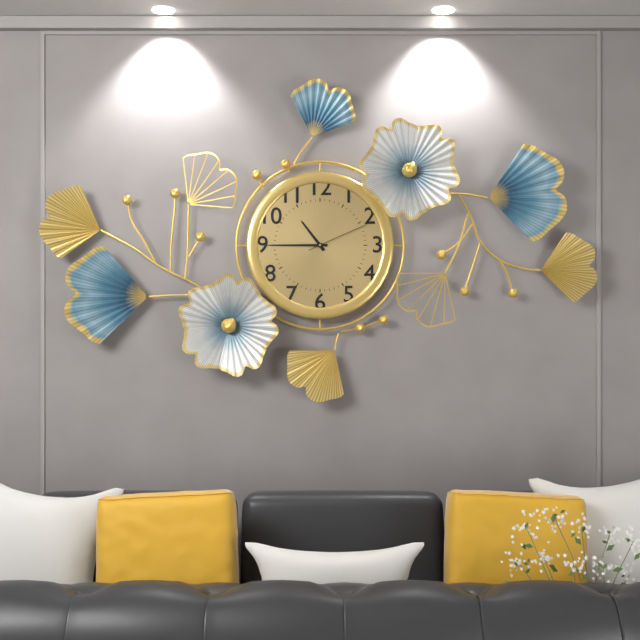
{"hour": 10, "minute": 45, "second": 11}
